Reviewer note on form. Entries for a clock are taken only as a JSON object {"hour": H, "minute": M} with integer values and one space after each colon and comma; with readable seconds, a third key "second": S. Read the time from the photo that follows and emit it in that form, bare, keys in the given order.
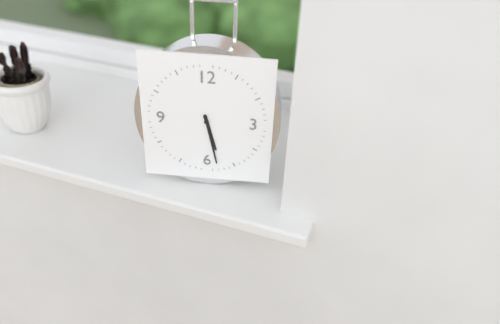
{"hour": 5, "minute": 28}
